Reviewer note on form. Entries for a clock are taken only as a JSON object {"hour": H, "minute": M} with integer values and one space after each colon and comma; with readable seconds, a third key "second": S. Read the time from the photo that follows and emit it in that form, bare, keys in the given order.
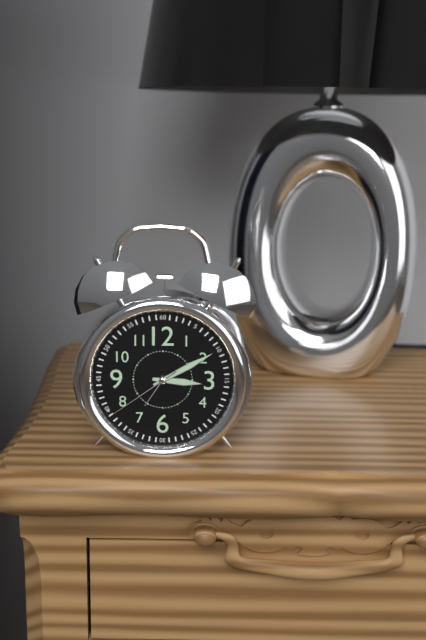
{"hour": 3, "minute": 10, "second": 39}
